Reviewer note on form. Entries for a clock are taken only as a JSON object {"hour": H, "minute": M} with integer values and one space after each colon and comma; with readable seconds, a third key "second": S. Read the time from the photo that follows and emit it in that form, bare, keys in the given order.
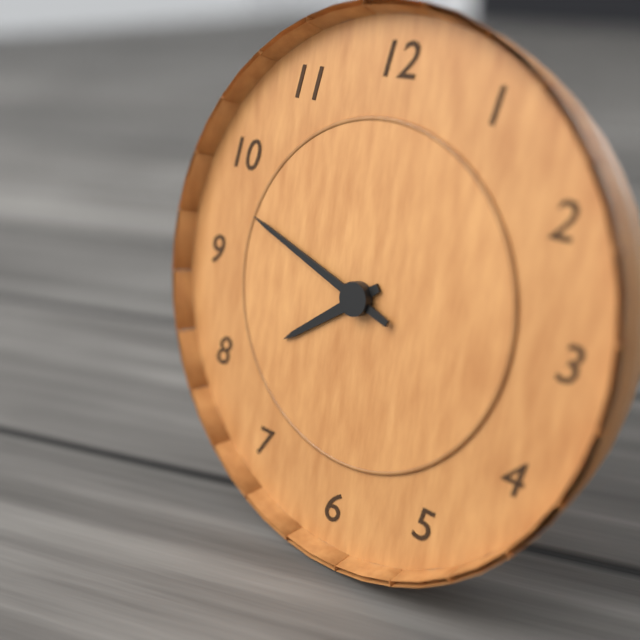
{"hour": 7, "minute": 48}
